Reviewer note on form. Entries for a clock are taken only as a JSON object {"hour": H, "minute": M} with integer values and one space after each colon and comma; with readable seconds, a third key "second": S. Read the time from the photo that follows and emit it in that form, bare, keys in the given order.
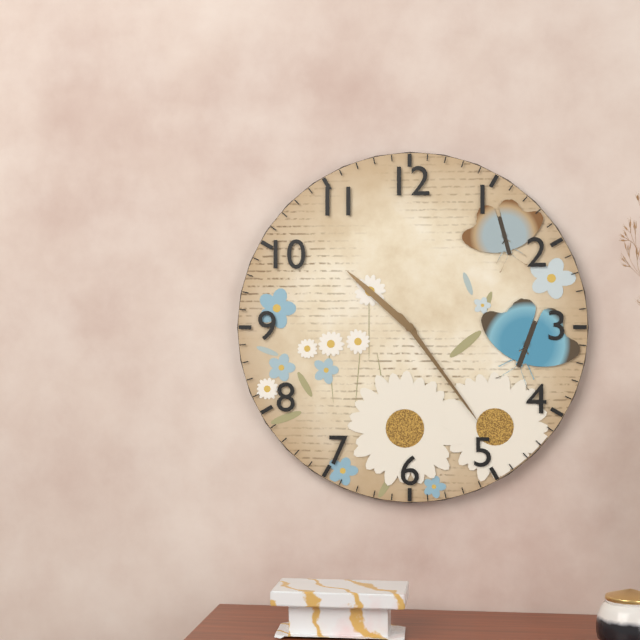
{"hour": 10, "minute": 24}
